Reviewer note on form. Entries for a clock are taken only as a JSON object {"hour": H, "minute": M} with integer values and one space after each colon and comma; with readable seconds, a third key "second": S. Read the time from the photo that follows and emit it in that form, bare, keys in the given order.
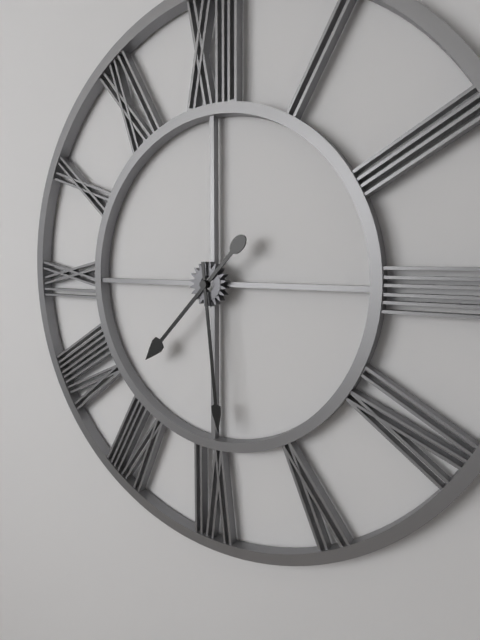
{"hour": 7, "minute": 29}
